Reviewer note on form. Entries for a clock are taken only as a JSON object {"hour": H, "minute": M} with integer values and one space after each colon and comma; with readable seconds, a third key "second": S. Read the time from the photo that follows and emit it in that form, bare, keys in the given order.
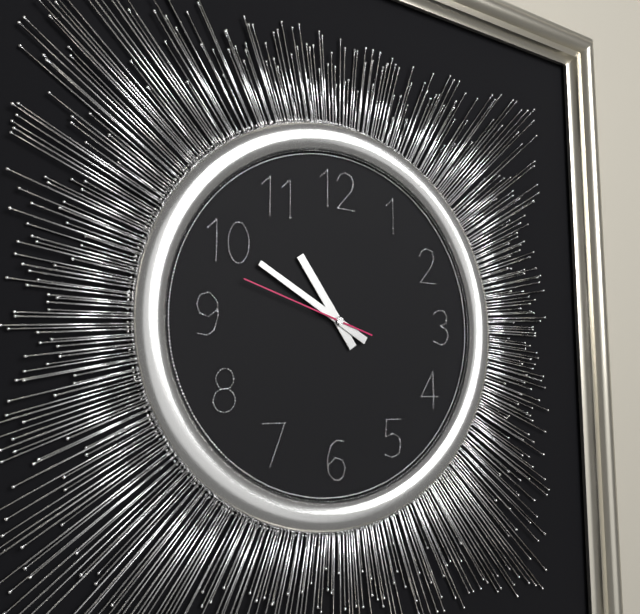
{"hour": 10, "minute": 50, "second": 48}
